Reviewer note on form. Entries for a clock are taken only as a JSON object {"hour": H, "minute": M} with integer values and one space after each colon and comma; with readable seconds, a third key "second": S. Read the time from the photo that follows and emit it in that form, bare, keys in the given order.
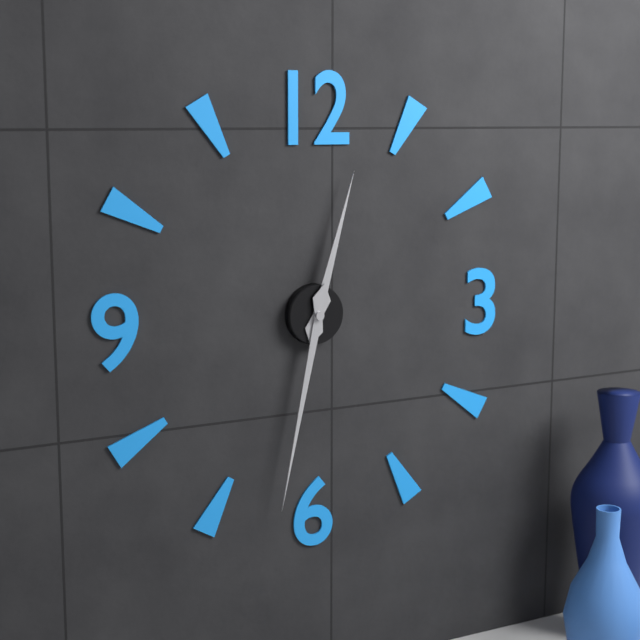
{"hour": 12, "minute": 32}
